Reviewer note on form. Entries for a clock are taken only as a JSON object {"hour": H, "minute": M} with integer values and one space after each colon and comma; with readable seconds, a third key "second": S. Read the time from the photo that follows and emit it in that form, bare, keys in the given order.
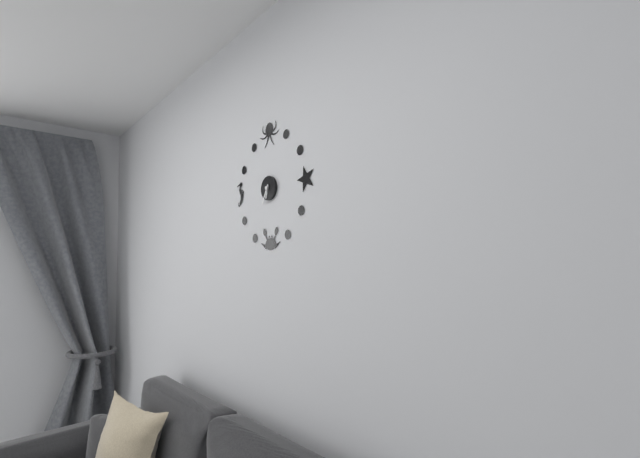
{"hour": 6, "minute": 35}
